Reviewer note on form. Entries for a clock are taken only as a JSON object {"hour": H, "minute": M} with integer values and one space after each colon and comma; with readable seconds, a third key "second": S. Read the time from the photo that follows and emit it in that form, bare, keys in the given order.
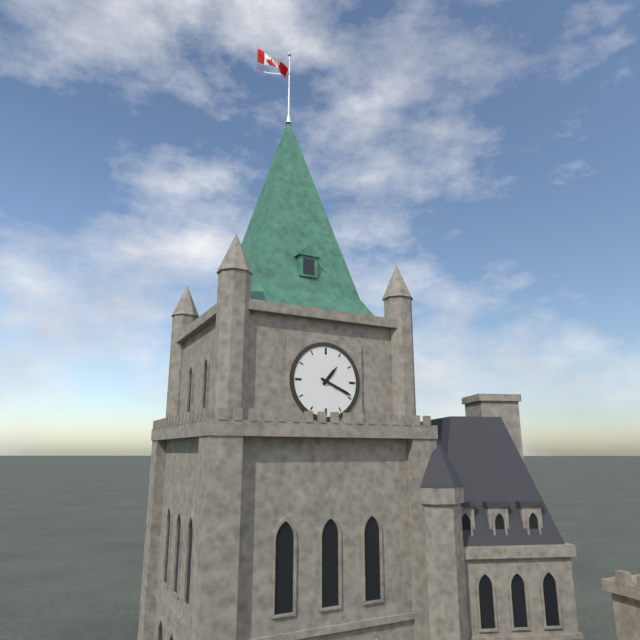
{"hour": 1, "minute": 19}
